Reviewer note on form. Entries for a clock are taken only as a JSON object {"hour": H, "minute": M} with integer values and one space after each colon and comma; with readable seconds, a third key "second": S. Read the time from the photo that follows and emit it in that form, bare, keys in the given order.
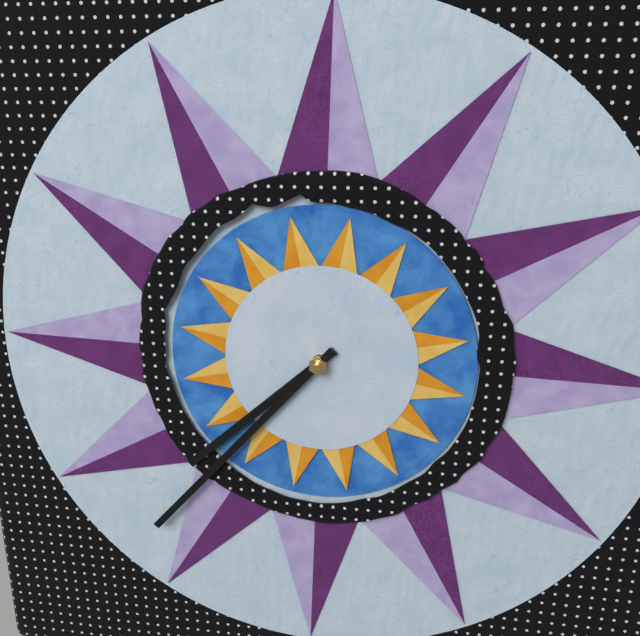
{"hour": 7, "minute": 37}
